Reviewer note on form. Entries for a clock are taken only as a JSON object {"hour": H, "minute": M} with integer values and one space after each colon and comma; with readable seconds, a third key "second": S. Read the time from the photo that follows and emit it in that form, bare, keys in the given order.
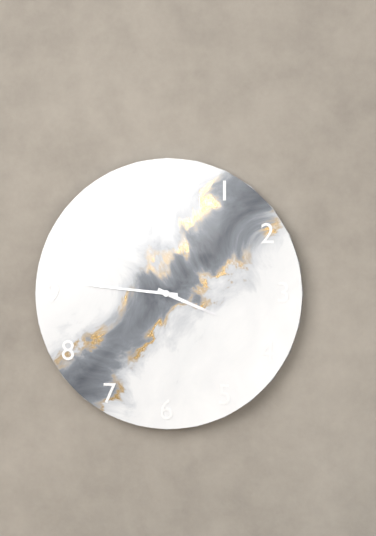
{"hour": 3, "minute": 46}
